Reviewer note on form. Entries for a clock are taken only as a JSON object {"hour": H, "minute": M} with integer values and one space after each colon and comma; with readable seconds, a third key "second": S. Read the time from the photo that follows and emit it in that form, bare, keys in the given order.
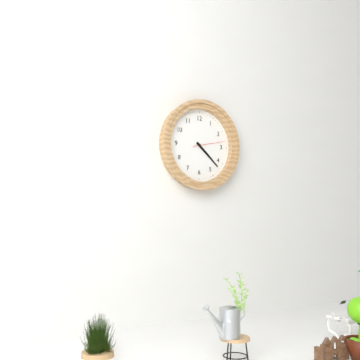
{"hour": 4, "minute": 22}
